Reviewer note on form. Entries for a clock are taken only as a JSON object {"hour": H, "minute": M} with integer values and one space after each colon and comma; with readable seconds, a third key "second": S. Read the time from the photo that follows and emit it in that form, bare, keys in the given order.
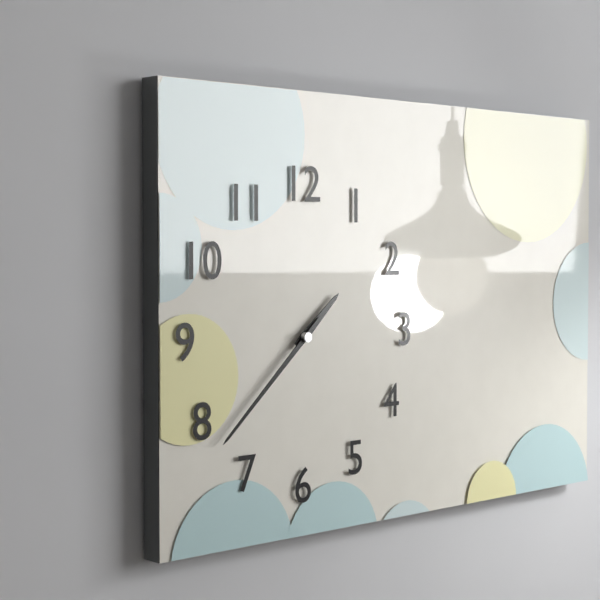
{"hour": 1, "minute": 38}
